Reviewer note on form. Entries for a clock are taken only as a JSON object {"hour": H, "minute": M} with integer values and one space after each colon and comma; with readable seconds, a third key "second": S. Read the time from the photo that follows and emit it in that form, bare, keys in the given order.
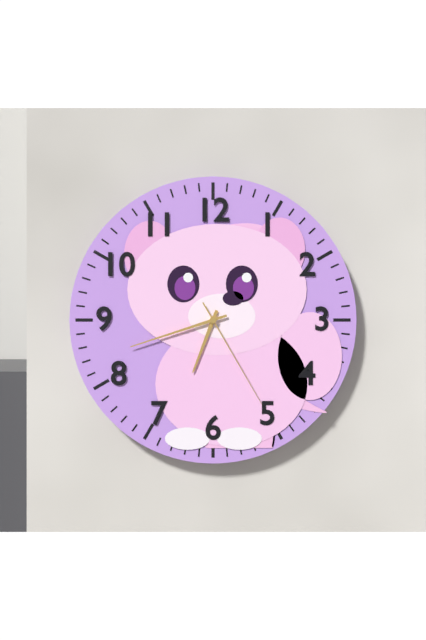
{"hour": 6, "minute": 42, "second": 25}
